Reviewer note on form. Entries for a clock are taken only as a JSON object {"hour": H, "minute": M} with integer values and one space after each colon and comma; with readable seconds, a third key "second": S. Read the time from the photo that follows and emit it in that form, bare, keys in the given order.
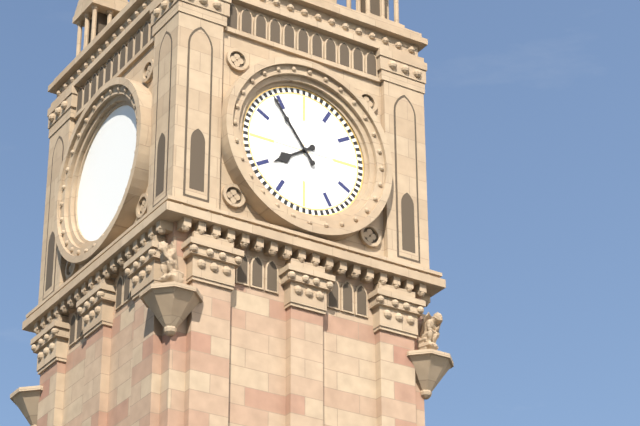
{"hour": 7, "minute": 54}
